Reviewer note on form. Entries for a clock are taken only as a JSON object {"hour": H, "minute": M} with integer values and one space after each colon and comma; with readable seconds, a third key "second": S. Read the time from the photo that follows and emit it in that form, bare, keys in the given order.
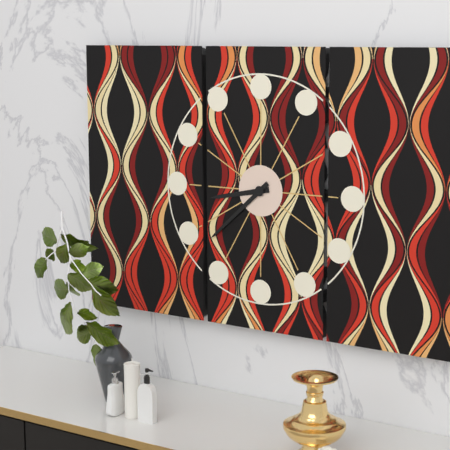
{"hour": 8, "minute": 38}
